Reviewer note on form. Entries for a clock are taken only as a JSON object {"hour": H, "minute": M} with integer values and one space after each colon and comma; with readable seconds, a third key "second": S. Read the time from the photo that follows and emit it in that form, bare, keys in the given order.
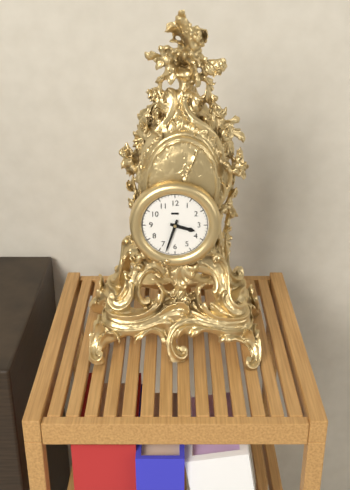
{"hour": 3, "minute": 33}
